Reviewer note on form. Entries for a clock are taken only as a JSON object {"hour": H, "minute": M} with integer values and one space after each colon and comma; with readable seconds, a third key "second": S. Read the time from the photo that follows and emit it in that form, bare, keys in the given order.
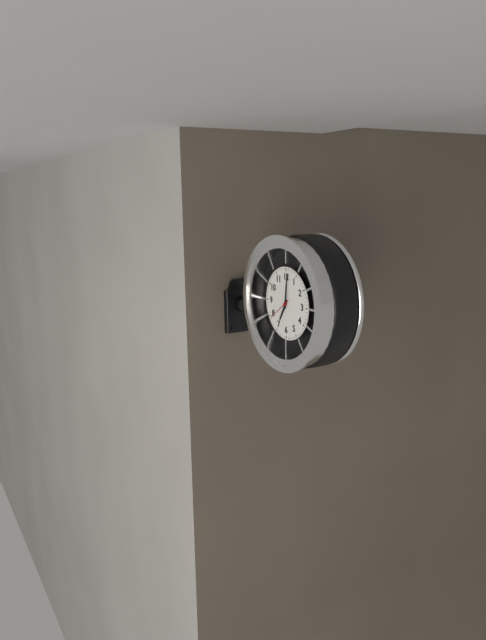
{"hour": 7, "minute": 1}
